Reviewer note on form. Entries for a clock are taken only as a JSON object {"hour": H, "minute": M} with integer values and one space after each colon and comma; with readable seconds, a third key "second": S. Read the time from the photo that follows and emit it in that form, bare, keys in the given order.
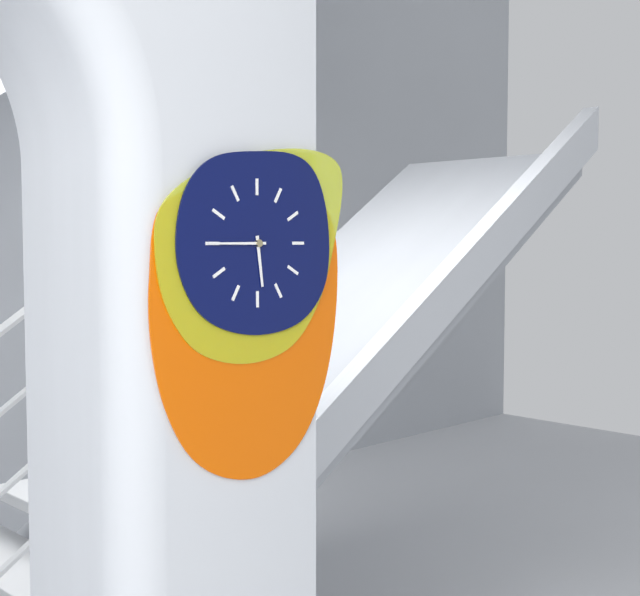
{"hour": 5, "minute": 45}
